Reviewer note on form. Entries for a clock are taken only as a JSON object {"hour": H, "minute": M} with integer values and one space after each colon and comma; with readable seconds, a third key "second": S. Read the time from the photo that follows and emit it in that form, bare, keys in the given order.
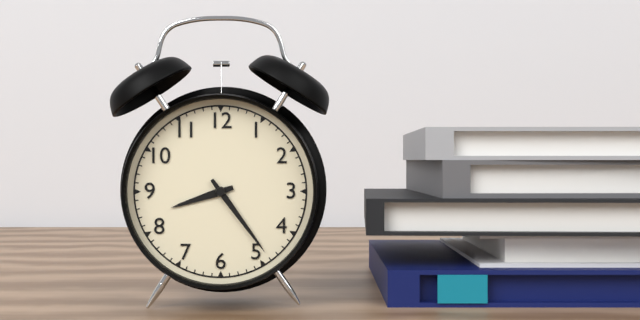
{"hour": 8, "minute": 24}
